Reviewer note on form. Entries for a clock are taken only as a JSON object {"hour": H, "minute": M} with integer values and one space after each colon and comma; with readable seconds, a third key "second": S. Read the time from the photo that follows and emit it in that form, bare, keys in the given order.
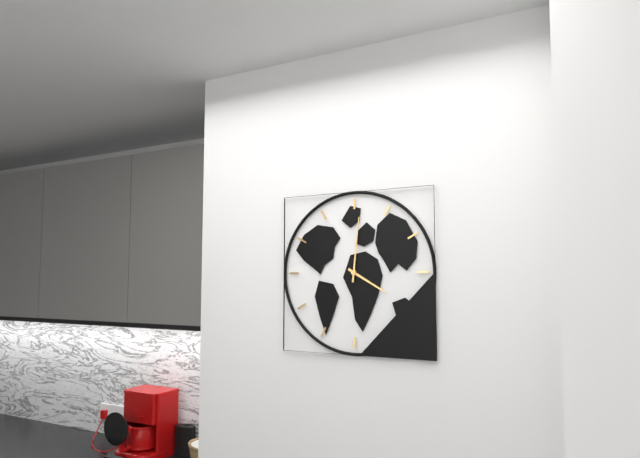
{"hour": 4, "minute": 1}
